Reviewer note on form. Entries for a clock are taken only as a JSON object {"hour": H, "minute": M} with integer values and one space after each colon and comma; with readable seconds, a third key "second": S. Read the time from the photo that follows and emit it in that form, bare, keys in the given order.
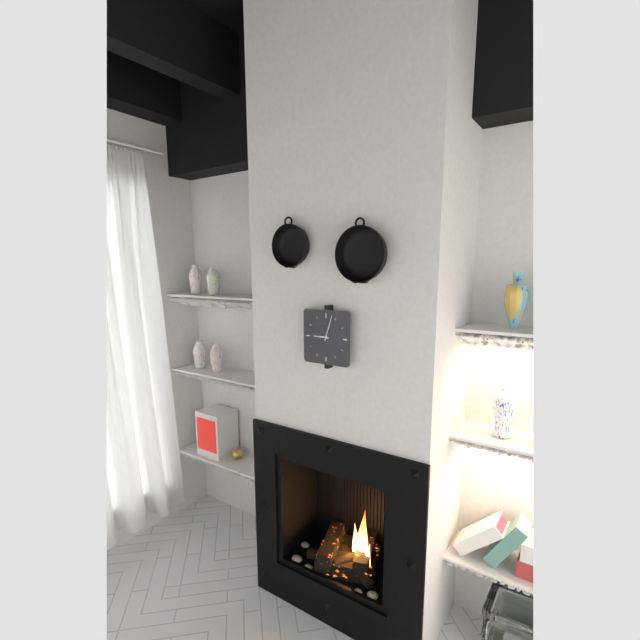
{"hour": 9, "minute": 3}
